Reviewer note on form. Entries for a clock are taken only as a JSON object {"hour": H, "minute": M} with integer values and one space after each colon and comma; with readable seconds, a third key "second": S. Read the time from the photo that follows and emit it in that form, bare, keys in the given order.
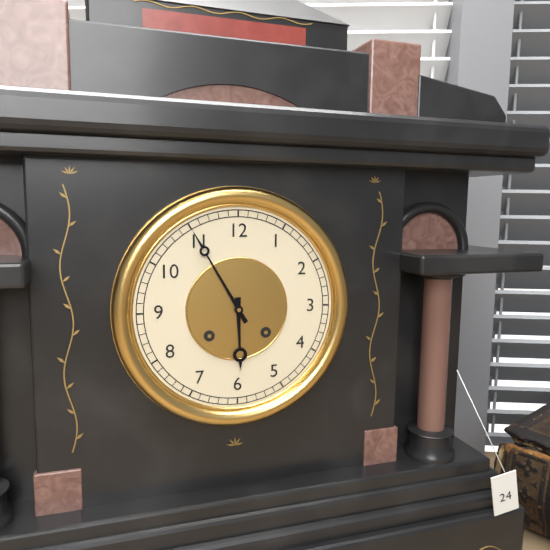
{"hour": 5, "minute": 55}
